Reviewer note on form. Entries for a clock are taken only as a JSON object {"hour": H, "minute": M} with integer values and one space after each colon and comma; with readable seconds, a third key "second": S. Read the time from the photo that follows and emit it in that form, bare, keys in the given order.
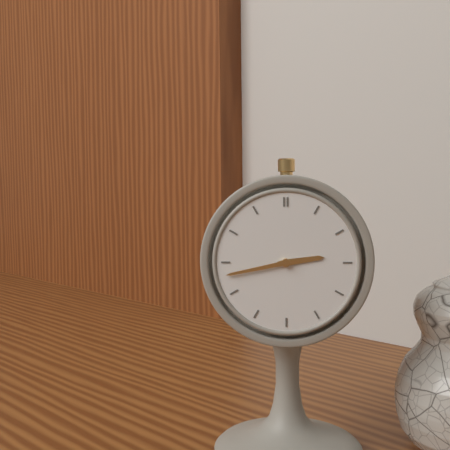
{"hour": 2, "minute": 43}
